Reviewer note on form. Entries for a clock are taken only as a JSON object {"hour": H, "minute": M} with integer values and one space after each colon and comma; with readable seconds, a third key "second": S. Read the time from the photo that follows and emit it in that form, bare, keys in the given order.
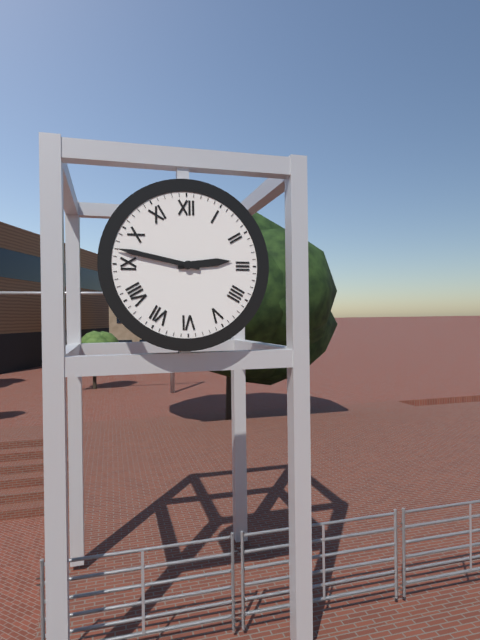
{"hour": 2, "minute": 47}
